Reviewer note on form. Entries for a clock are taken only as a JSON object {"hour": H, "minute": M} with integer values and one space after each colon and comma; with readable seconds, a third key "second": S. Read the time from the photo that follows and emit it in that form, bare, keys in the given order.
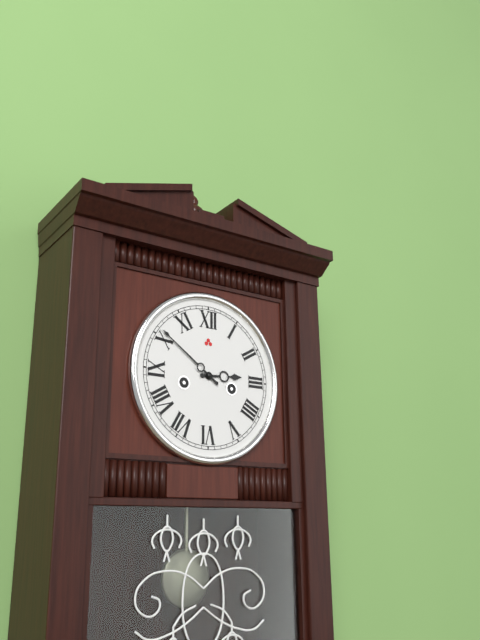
{"hour": 2, "minute": 51}
